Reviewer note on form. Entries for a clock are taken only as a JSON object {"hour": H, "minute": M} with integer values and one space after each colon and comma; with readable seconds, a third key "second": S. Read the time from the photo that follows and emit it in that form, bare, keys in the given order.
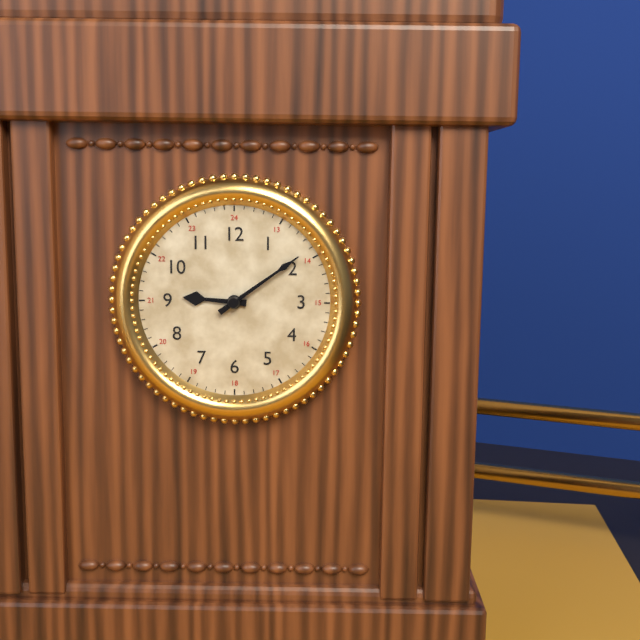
{"hour": 9, "minute": 9}
